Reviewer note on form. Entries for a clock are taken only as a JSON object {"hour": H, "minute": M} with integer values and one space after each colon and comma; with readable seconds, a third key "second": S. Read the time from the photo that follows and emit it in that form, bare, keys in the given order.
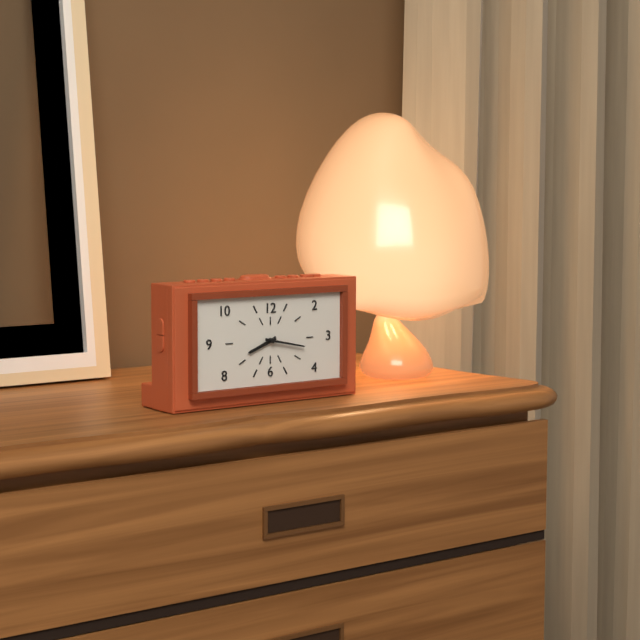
{"hour": 8, "minute": 17}
